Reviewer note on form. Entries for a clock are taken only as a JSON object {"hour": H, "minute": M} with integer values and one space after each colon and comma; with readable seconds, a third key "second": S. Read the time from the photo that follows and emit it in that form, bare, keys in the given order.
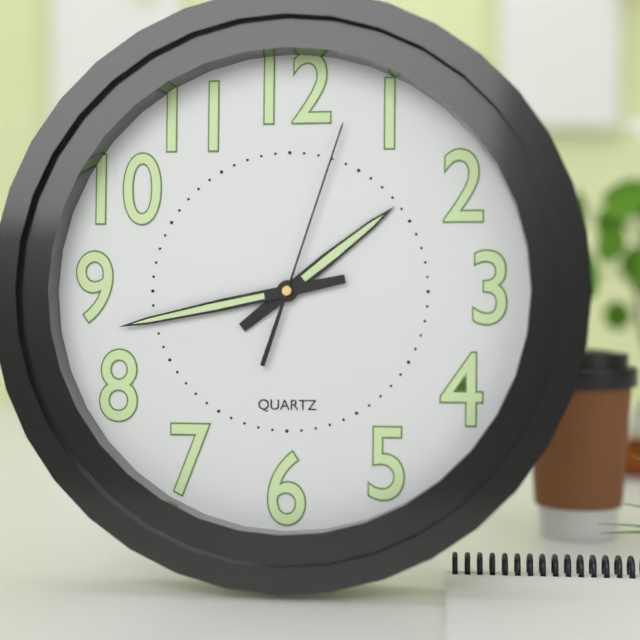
{"hour": 1, "minute": 43, "second": 3}
